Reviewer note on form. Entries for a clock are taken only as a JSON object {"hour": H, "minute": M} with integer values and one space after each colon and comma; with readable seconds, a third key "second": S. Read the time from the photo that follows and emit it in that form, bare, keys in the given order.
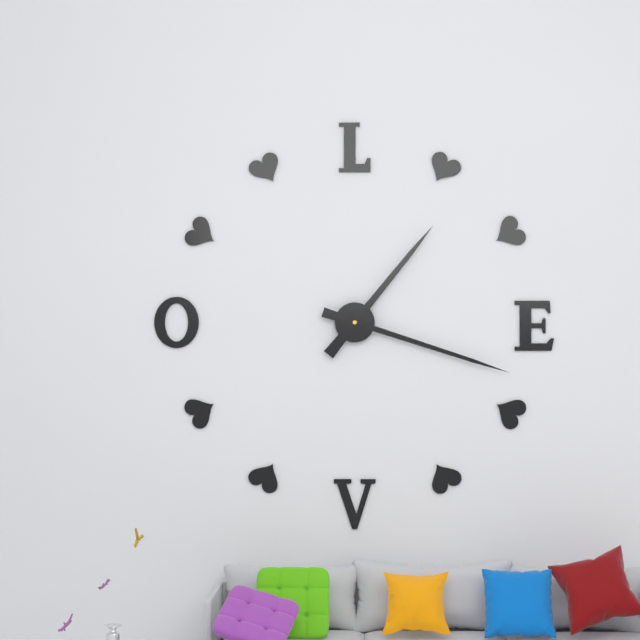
{"hour": 1, "minute": 18}
